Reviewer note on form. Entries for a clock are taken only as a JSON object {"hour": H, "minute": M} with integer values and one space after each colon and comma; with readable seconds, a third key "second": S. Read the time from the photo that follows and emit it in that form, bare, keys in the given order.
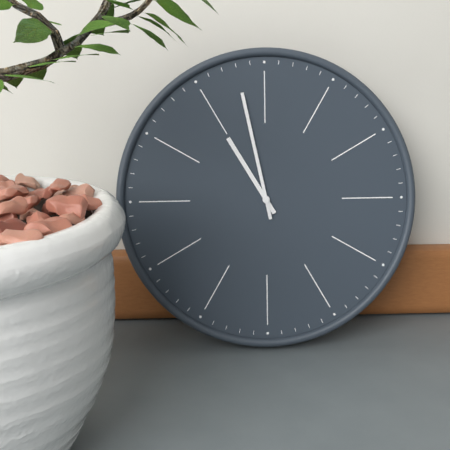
{"hour": 10, "minute": 58}
